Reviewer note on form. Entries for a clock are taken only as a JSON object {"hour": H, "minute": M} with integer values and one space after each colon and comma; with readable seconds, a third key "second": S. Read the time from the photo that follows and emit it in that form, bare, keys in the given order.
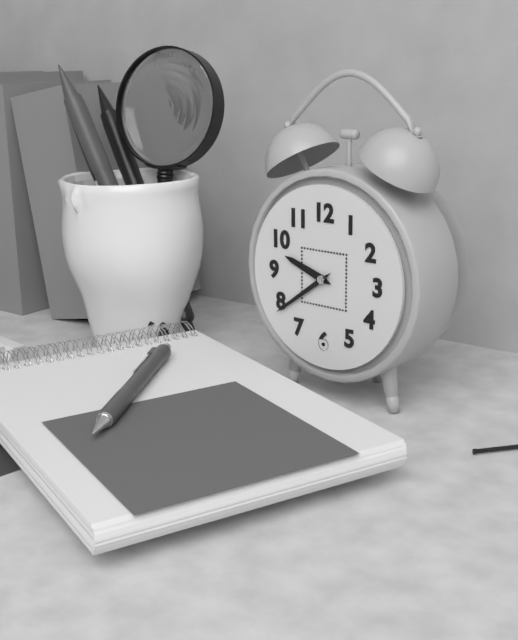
{"hour": 9, "minute": 39}
